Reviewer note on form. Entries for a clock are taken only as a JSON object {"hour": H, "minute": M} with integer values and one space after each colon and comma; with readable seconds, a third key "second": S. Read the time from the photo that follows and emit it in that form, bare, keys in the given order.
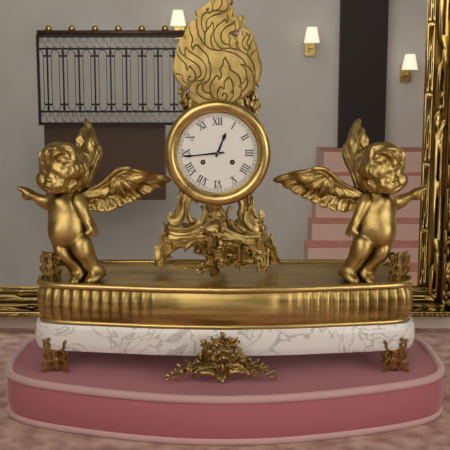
{"hour": 12, "minute": 44}
